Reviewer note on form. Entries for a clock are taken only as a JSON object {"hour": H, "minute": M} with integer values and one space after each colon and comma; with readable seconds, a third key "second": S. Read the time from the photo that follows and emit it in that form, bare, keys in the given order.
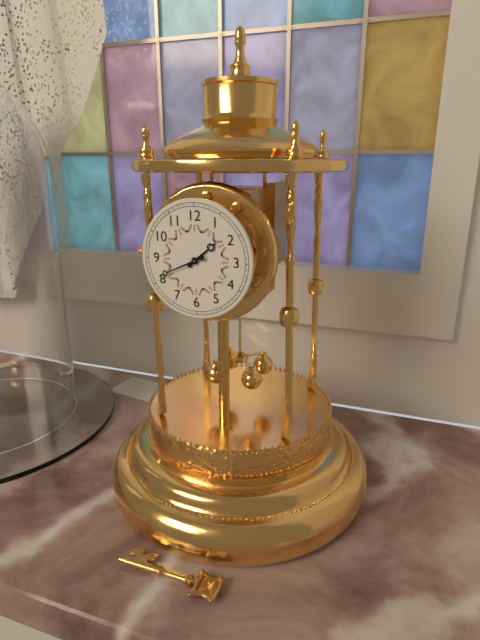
{"hour": 1, "minute": 41}
